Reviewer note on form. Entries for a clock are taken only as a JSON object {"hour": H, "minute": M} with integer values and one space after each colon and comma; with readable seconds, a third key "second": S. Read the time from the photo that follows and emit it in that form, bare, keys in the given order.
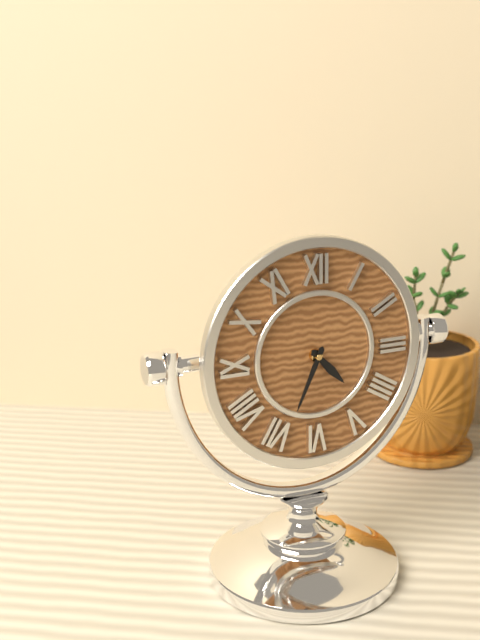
{"hour": 4, "minute": 34}
